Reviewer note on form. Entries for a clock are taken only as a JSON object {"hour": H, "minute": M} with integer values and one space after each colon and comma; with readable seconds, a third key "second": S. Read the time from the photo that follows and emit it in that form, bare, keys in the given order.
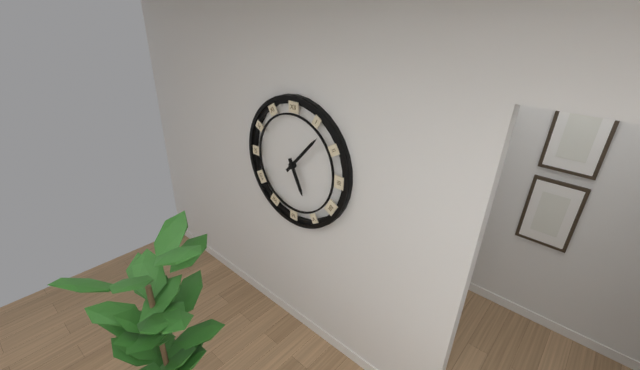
{"hour": 5, "minute": 7}
